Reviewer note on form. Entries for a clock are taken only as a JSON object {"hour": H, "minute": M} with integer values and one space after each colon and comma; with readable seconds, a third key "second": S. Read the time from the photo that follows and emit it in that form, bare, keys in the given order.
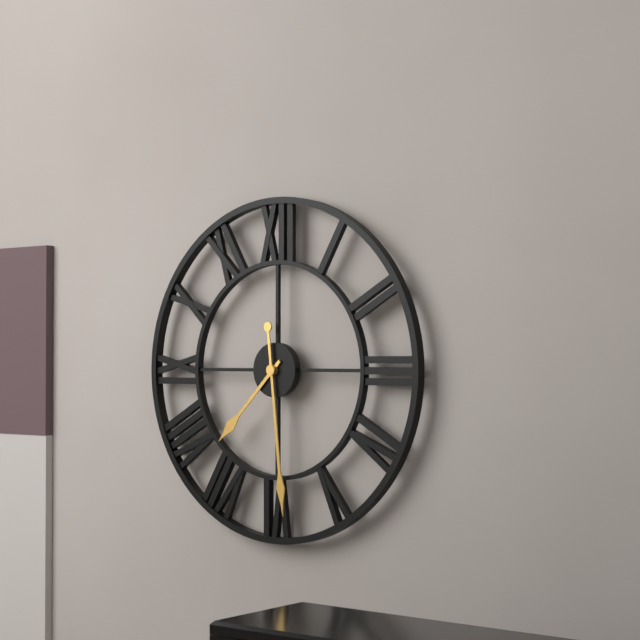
{"hour": 7, "minute": 29}
